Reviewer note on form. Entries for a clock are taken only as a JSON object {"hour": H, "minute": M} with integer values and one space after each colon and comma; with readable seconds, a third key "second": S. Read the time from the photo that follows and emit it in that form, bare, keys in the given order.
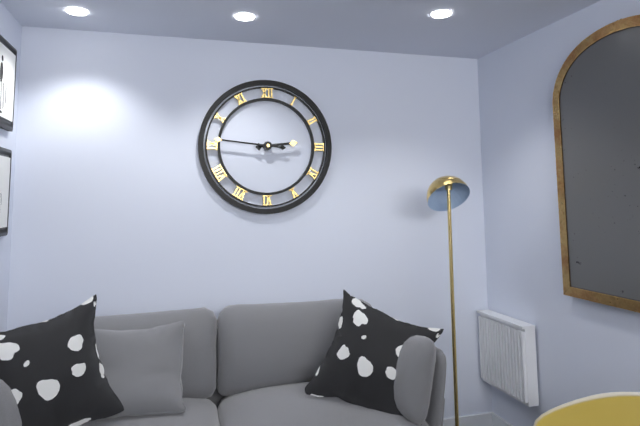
{"hour": 2, "minute": 46}
